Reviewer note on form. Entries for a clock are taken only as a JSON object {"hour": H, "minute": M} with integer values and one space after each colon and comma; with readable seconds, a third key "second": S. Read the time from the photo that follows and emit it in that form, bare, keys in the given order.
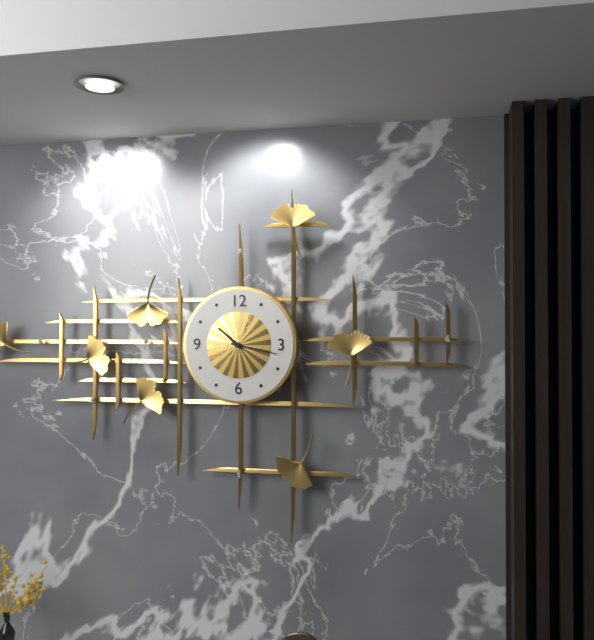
{"hour": 10, "minute": 17}
